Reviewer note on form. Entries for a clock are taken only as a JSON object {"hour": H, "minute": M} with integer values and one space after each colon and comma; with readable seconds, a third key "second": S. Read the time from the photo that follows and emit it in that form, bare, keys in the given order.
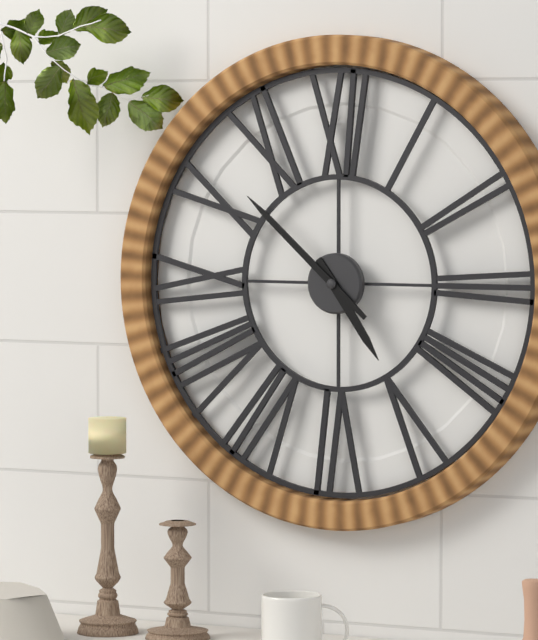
{"hour": 4, "minute": 52}
